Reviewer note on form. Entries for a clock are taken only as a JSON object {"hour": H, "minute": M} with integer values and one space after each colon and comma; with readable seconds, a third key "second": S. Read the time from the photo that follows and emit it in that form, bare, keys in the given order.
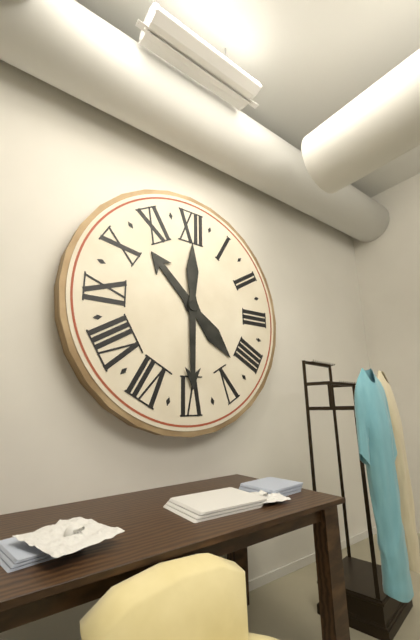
{"hour": 10, "minute": 30}
